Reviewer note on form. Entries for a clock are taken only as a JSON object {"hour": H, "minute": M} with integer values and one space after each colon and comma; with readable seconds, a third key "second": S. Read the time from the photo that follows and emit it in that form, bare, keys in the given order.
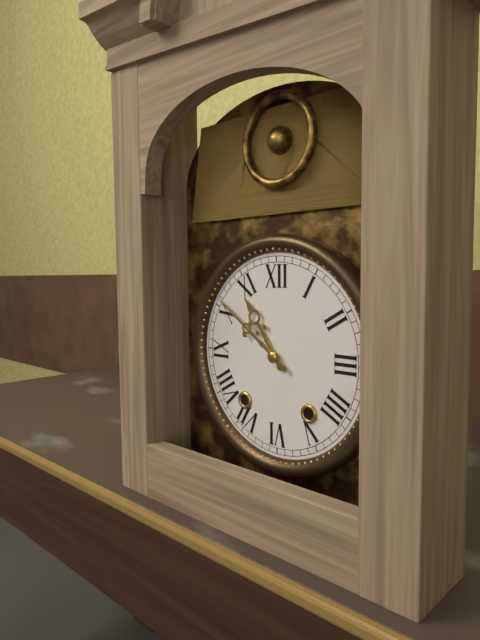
{"hour": 10, "minute": 51}
